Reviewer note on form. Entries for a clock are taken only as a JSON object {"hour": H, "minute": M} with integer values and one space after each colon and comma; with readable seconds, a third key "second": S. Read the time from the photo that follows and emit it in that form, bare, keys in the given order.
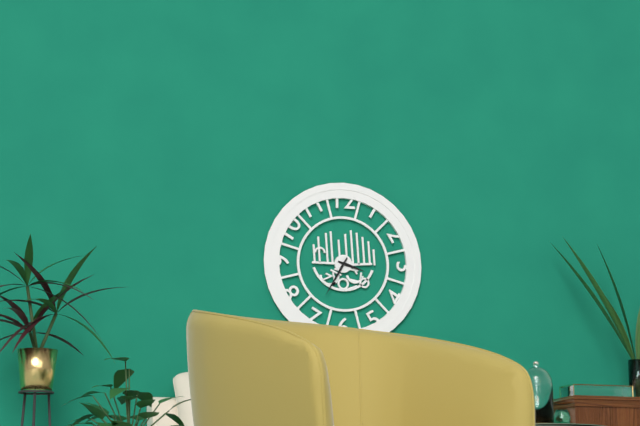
{"hour": 3, "minute": 35}
